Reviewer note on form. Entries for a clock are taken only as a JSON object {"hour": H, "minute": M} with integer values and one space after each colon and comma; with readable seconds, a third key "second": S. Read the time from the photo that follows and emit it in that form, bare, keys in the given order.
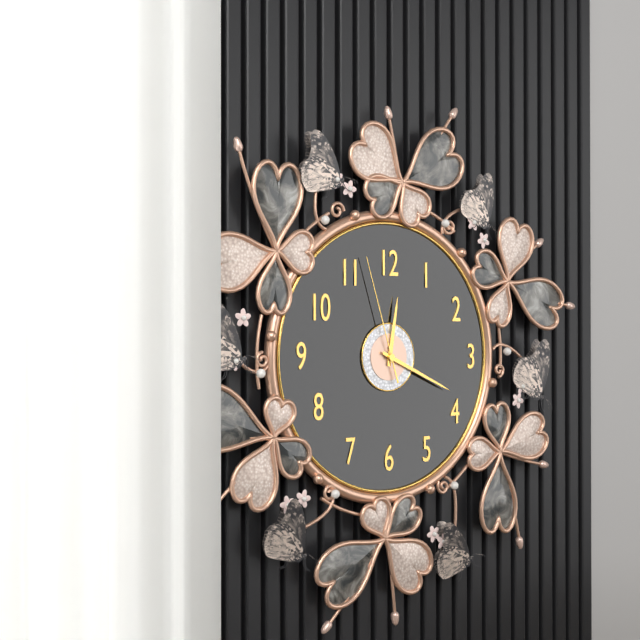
{"hour": 12, "minute": 19, "second": 57}
